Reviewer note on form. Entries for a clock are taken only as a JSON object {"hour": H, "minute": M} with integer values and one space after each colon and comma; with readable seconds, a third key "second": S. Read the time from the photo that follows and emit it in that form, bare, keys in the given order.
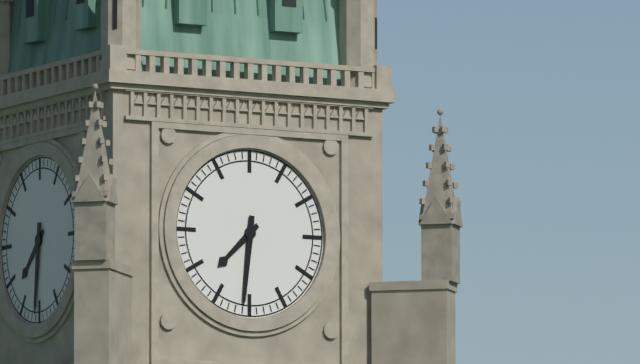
{"hour": 7, "minute": 31}
